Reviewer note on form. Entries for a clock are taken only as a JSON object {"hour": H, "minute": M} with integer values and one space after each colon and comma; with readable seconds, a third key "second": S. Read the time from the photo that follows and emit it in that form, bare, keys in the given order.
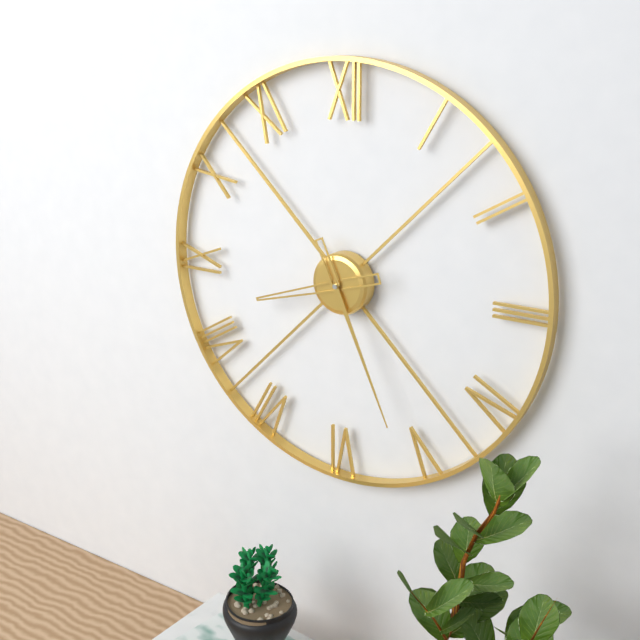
{"hour": 8, "minute": 26}
